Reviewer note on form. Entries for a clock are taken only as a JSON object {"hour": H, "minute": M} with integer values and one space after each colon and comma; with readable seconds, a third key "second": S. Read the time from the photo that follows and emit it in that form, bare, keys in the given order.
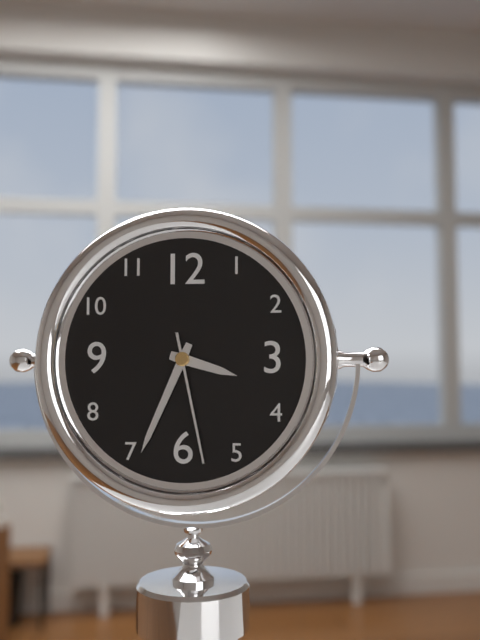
{"hour": 3, "minute": 34, "second": 28}
